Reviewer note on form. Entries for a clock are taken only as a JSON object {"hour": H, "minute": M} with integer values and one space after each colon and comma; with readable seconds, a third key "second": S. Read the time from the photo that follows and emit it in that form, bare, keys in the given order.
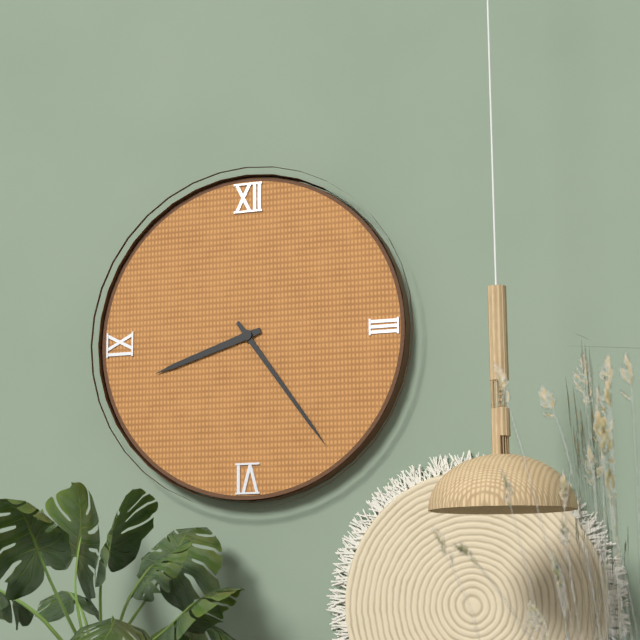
{"hour": 8, "minute": 24}
